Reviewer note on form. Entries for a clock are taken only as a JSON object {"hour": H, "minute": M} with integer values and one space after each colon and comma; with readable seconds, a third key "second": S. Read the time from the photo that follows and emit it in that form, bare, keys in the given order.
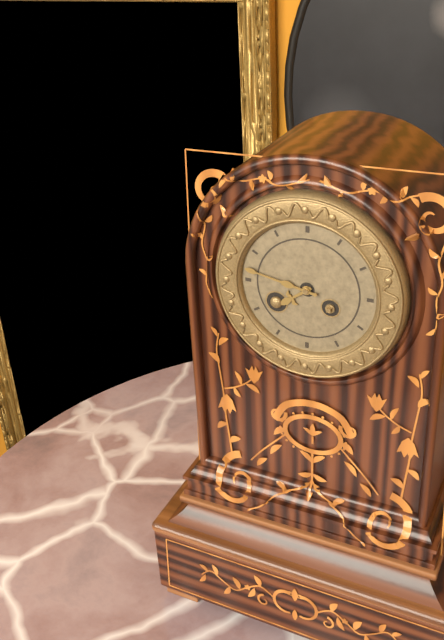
{"hour": 7, "minute": 47}
